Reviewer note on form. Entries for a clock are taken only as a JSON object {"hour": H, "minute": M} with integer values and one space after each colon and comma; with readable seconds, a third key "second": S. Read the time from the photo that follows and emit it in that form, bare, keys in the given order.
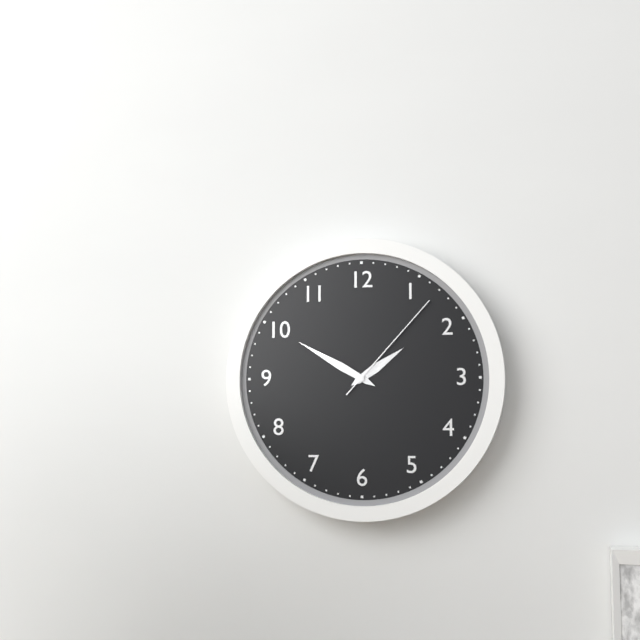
{"hour": 1, "minute": 50, "second": 7}
